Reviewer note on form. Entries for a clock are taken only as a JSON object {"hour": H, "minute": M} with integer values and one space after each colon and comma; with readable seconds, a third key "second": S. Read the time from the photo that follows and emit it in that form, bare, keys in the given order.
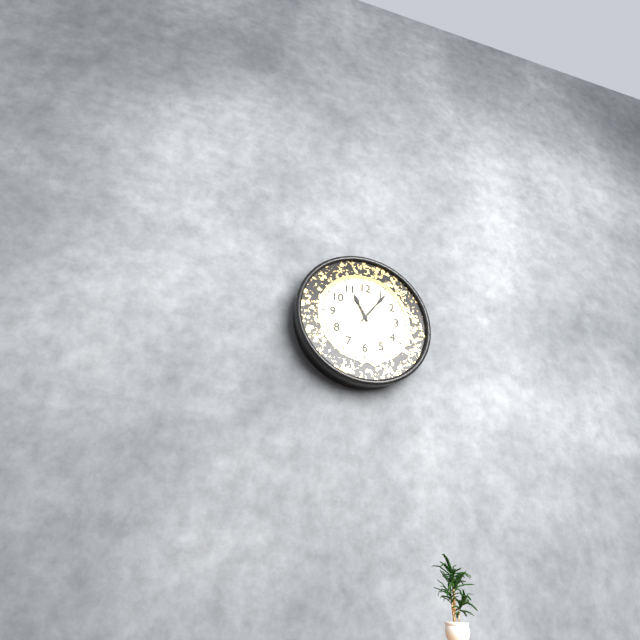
{"hour": 11, "minute": 6}
